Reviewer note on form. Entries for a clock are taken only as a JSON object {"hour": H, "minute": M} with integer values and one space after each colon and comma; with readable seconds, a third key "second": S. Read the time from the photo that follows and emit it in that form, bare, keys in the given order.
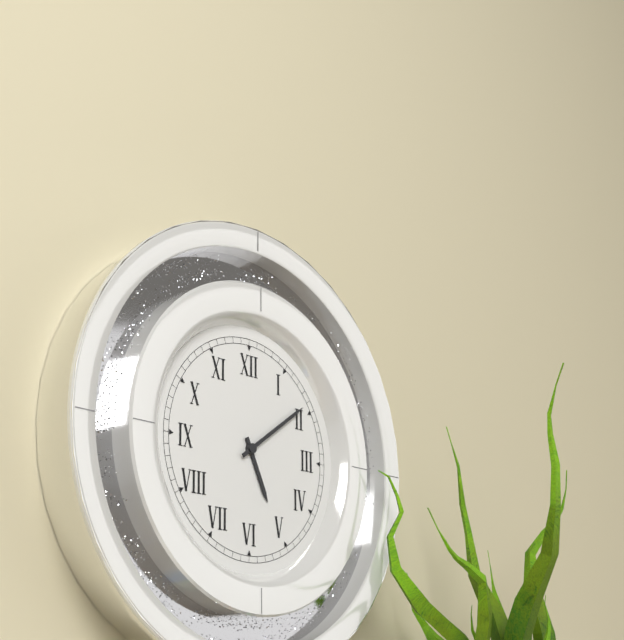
{"hour": 5, "minute": 9}
